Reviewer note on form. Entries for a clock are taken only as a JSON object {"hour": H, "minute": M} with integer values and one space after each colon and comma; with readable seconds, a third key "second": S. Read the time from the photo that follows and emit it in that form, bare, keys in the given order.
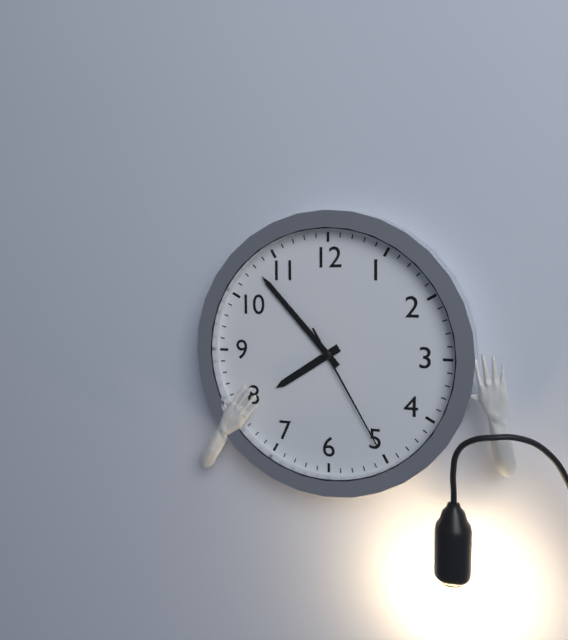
{"hour": 7, "minute": 53, "second": 25}
